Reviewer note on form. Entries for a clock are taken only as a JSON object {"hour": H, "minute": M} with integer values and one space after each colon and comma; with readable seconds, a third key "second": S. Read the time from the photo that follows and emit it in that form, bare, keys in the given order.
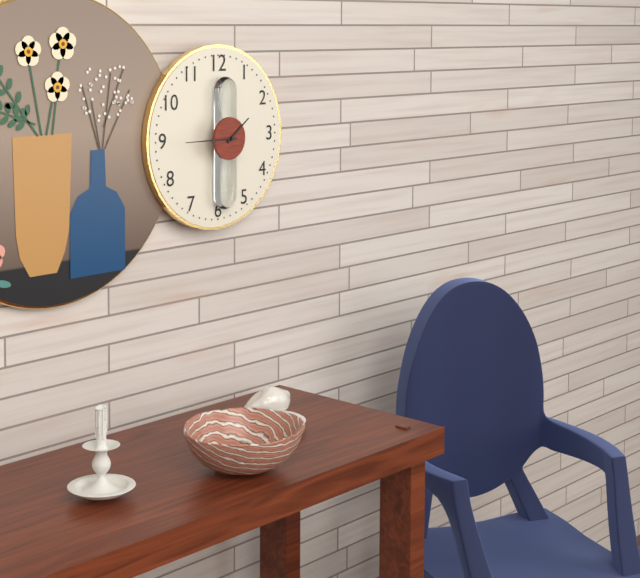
{"hour": 1, "minute": 45}
